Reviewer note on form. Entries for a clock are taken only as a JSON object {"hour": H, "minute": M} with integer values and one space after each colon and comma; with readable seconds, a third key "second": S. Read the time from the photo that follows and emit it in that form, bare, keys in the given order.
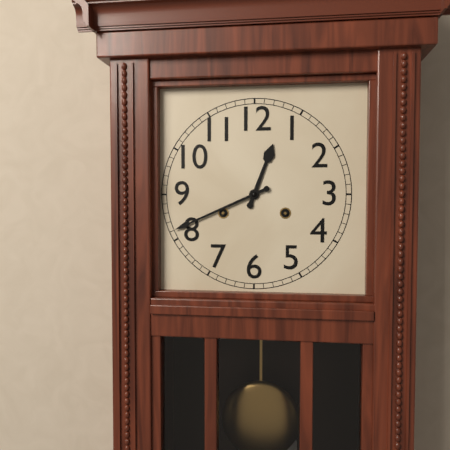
{"hour": 12, "minute": 41}
